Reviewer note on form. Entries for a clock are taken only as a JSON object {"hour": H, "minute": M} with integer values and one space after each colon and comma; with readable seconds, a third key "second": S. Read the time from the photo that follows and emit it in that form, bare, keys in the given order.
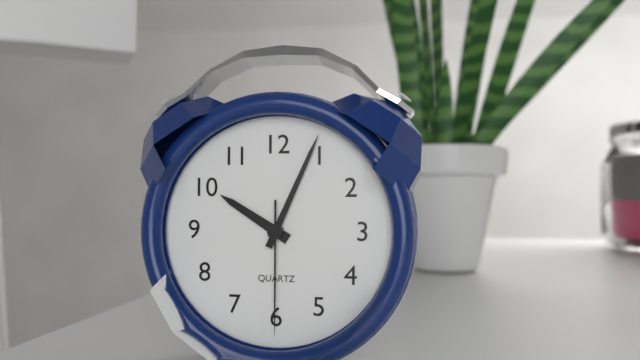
{"hour": 10, "minute": 4, "second": 30}
